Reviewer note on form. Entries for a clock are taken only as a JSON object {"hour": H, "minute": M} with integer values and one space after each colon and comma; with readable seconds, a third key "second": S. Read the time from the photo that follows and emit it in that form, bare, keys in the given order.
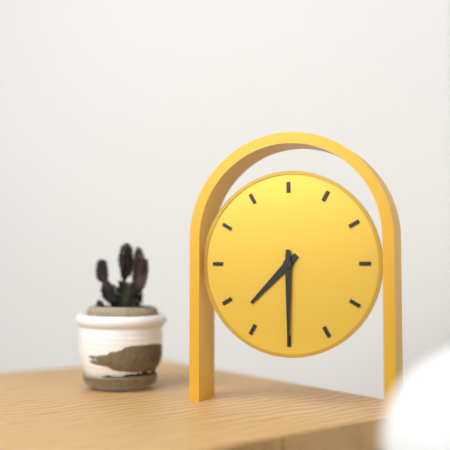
{"hour": 7, "minute": 30}
